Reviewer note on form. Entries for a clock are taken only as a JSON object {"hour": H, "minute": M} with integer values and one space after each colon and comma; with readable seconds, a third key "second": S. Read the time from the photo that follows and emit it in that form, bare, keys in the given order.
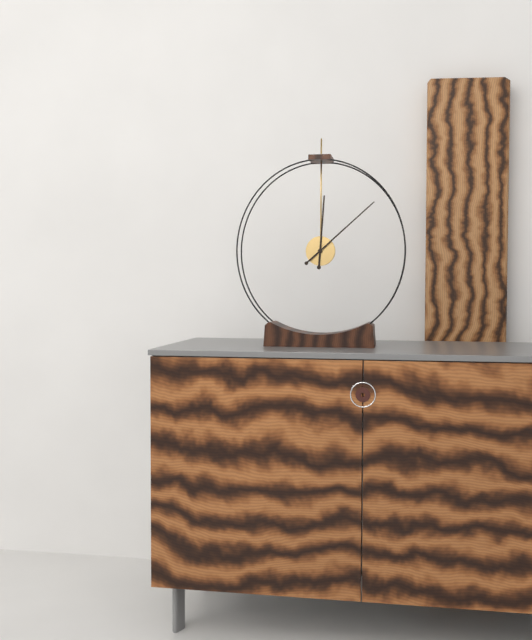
{"hour": 12, "minute": 8}
